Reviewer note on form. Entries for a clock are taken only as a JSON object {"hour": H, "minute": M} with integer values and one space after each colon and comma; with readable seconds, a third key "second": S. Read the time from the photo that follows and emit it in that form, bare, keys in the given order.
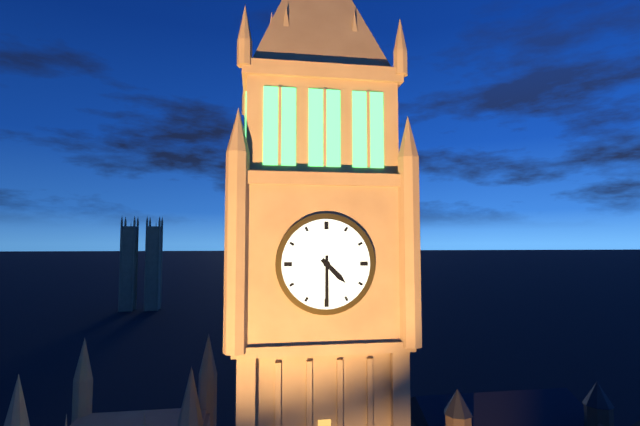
{"hour": 4, "minute": 30}
